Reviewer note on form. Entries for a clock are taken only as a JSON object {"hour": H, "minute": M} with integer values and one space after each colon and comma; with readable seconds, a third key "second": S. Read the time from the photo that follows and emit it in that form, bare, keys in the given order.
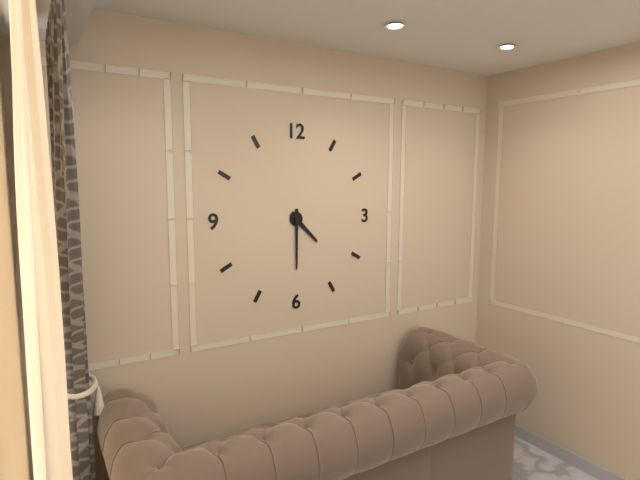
{"hour": 4, "minute": 30}
